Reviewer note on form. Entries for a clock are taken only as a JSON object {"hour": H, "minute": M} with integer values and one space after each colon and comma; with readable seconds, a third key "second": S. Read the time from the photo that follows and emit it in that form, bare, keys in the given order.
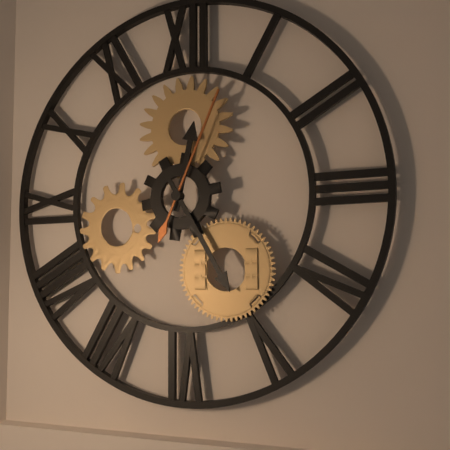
{"hour": 12, "minute": 25, "second": 4}
